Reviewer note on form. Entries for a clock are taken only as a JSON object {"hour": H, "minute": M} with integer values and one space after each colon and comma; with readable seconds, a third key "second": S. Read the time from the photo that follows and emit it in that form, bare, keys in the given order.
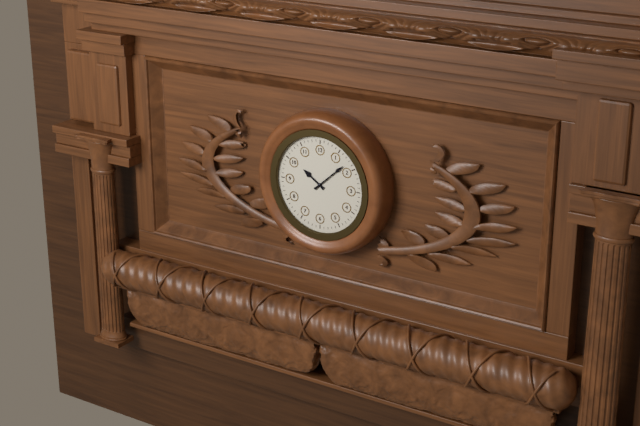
{"hour": 10, "minute": 8}
